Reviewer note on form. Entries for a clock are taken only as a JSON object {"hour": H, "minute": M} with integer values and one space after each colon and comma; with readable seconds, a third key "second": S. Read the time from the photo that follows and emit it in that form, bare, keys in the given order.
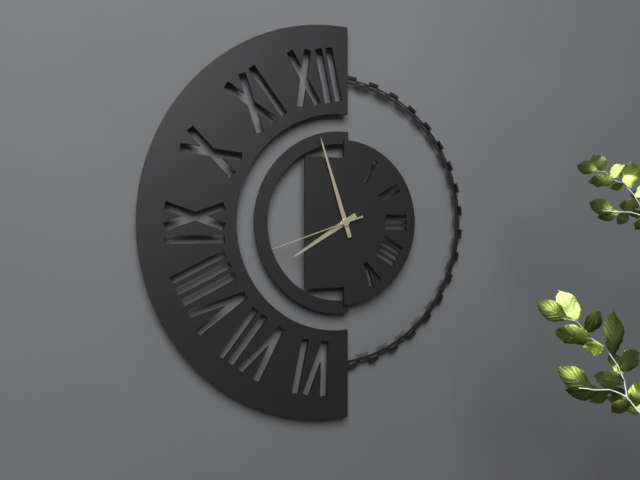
{"hour": 7, "minute": 57, "second": 42}
